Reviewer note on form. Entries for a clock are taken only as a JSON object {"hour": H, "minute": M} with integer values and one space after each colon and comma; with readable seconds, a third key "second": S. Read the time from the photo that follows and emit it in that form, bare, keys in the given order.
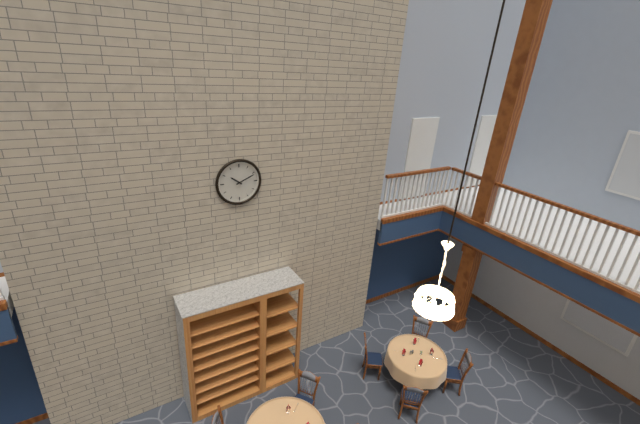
{"hour": 10, "minute": 11}
